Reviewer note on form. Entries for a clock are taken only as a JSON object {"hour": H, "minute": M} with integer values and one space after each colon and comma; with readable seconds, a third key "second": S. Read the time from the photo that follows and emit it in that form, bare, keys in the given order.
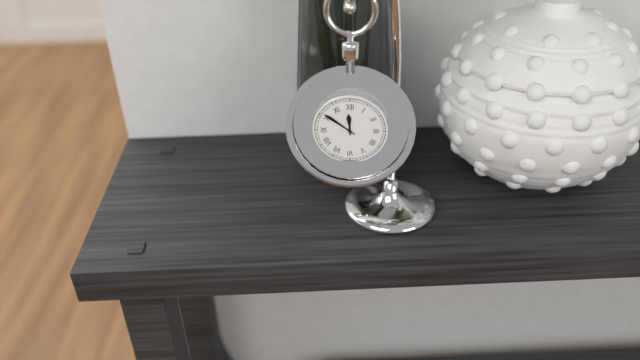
{"hour": 11, "minute": 51}
